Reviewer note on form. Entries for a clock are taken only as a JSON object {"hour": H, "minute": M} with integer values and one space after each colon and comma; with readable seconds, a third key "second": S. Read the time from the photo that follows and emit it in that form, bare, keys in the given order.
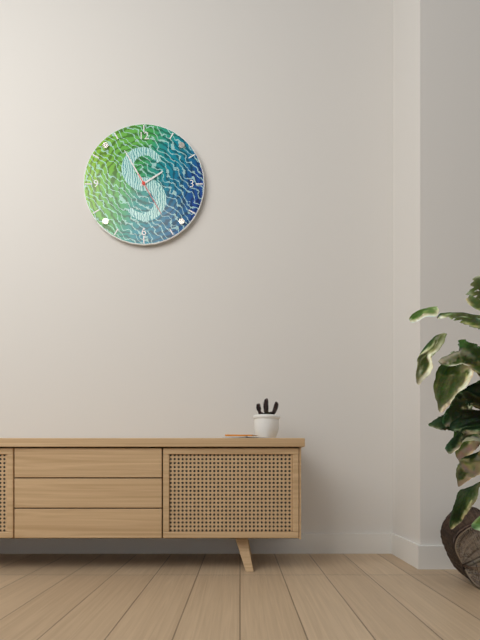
{"hour": 1, "minute": 55}
